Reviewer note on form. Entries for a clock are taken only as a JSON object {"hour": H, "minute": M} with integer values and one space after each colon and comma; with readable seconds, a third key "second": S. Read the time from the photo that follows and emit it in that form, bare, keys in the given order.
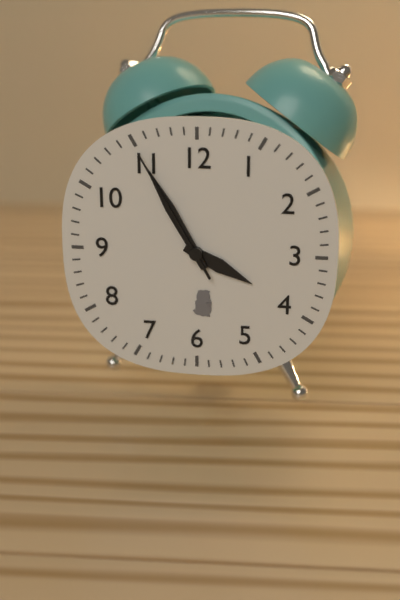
{"hour": 3, "minute": 55, "second": 55}
